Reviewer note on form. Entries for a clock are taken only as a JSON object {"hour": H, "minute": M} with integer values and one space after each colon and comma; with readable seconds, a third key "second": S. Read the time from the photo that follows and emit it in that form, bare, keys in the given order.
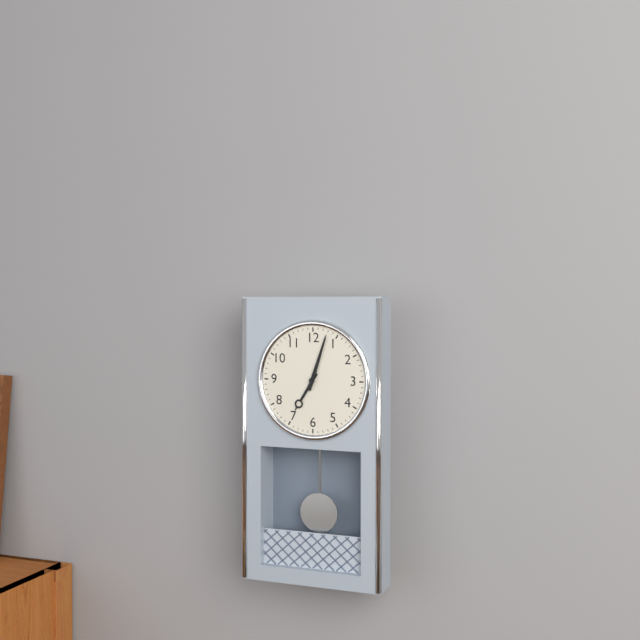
{"hour": 7, "minute": 3}
